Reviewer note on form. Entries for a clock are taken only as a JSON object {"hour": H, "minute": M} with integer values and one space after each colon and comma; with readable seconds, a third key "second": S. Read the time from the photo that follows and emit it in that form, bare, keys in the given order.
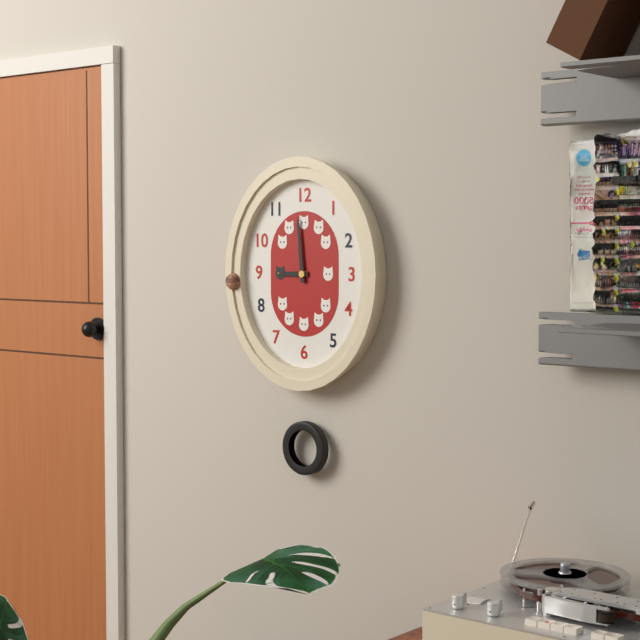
{"hour": 8, "minute": 59}
